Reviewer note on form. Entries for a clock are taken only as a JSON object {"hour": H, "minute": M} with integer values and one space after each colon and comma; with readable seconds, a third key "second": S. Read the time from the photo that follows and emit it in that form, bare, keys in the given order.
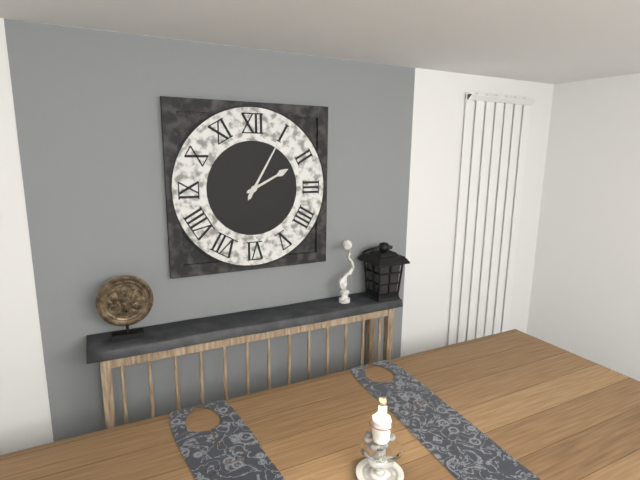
{"hour": 2, "minute": 5}
